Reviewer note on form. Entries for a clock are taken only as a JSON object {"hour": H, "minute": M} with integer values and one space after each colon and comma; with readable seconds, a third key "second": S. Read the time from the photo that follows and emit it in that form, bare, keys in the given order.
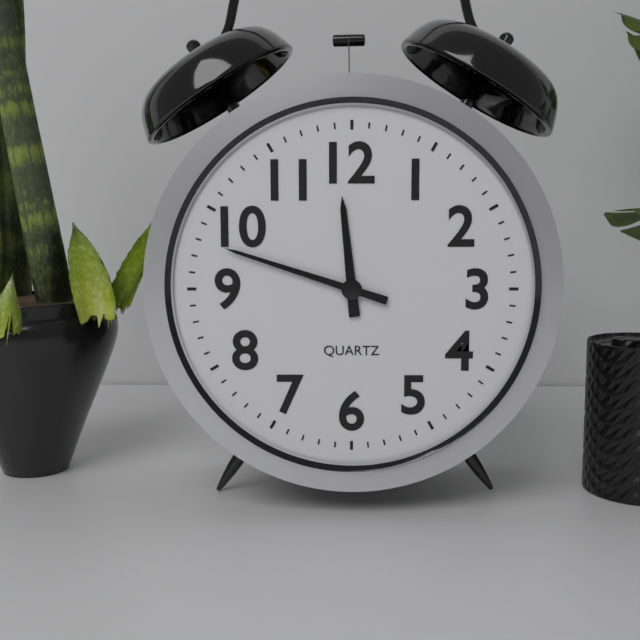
{"hour": 11, "minute": 48}
